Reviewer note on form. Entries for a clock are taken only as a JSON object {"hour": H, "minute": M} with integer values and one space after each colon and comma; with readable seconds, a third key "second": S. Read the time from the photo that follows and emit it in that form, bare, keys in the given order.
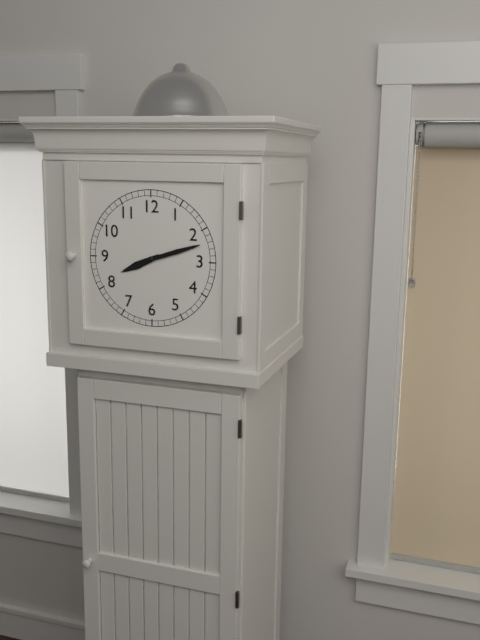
{"hour": 8, "minute": 12}
